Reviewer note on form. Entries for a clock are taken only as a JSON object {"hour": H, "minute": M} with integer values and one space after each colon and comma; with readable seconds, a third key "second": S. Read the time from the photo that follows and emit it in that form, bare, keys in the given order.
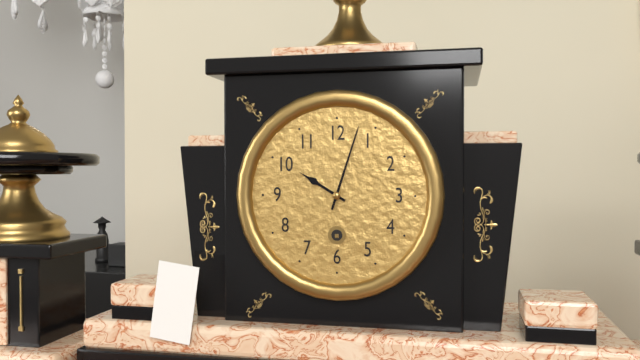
{"hour": 10, "minute": 3}
